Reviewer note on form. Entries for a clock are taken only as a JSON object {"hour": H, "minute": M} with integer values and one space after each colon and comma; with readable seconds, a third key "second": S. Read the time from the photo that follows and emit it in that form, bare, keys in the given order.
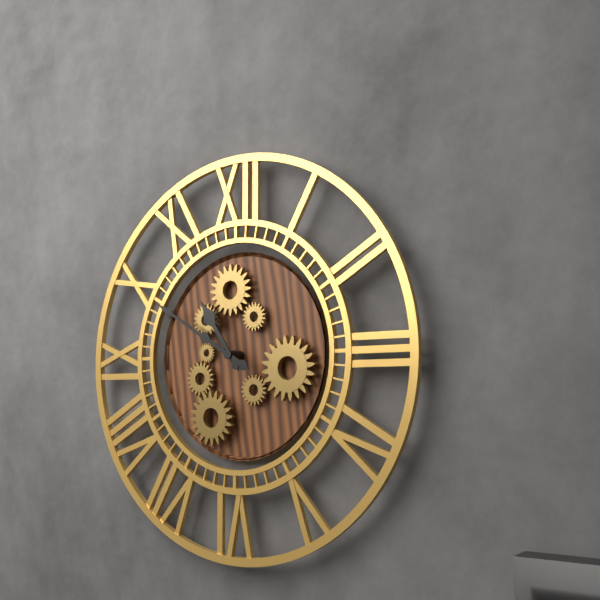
{"hour": 10, "minute": 50}
